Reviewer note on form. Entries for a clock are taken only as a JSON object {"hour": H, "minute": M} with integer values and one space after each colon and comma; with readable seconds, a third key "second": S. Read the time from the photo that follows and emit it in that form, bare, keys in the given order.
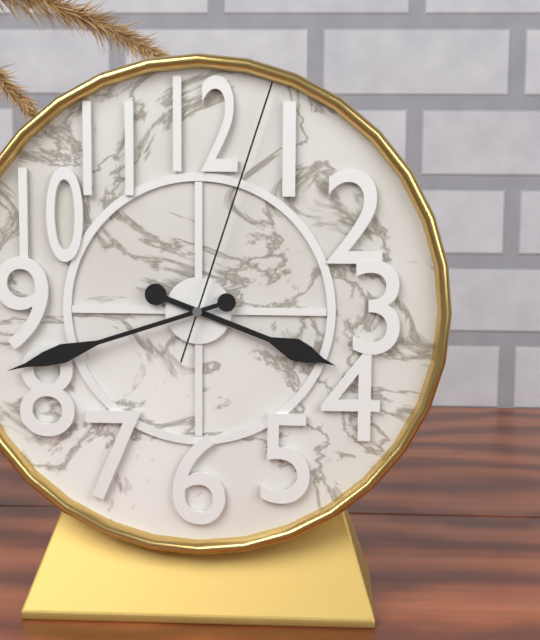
{"hour": 3, "minute": 42, "second": 3}
